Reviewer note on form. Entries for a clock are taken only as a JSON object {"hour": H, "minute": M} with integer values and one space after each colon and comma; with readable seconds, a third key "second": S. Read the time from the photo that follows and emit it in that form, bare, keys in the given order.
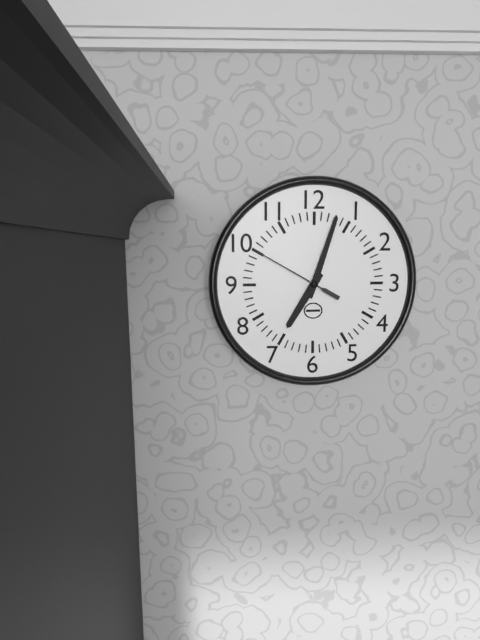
{"hour": 7, "minute": 3, "second": 50}
